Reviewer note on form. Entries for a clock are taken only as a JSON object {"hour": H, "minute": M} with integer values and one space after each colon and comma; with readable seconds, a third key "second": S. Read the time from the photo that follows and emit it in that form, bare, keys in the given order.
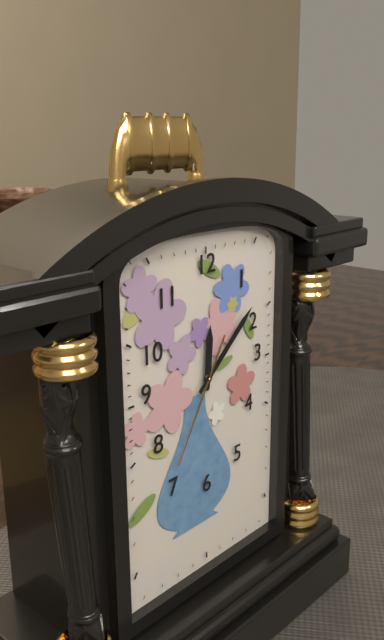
{"hour": 12, "minute": 8, "second": 35}
